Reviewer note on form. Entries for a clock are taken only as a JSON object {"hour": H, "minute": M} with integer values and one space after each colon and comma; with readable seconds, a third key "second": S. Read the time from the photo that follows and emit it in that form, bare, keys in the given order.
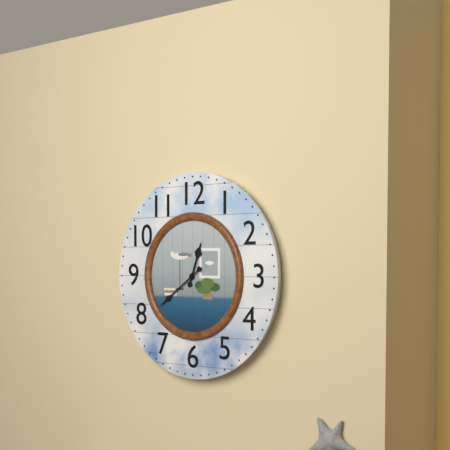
{"hour": 12, "minute": 39}
